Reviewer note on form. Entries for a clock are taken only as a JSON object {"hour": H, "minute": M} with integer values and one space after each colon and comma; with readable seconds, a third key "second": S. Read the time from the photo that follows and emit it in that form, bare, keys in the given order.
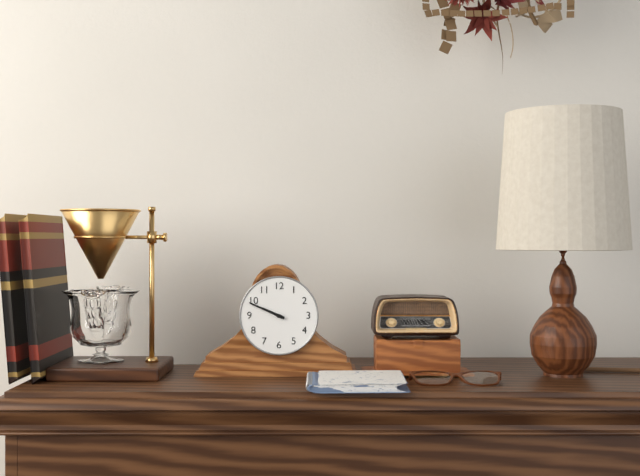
{"hour": 9, "minute": 49}
